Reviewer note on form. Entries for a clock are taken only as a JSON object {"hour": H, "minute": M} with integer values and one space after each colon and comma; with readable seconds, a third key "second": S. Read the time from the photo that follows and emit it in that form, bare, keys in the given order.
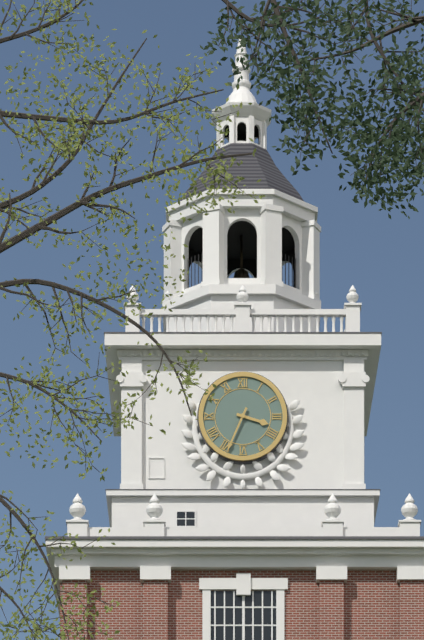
{"hour": 3, "minute": 34}
